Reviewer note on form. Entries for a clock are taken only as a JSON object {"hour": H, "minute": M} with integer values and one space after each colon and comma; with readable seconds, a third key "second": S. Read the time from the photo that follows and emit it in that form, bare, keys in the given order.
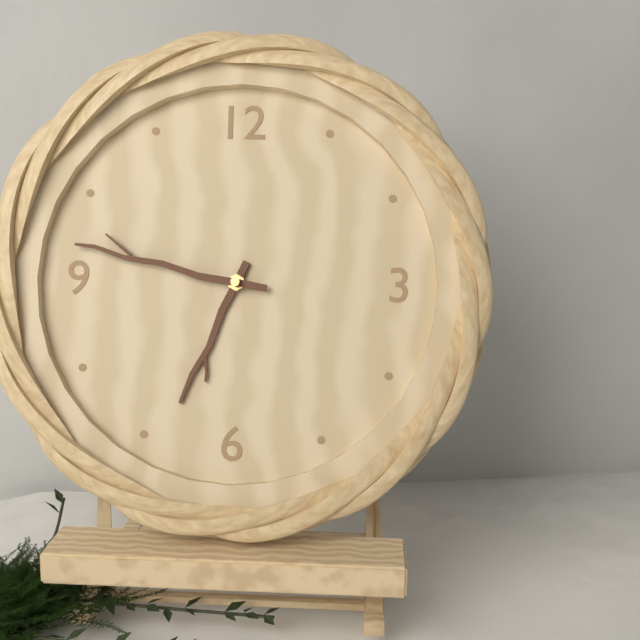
{"hour": 6, "minute": 47}
